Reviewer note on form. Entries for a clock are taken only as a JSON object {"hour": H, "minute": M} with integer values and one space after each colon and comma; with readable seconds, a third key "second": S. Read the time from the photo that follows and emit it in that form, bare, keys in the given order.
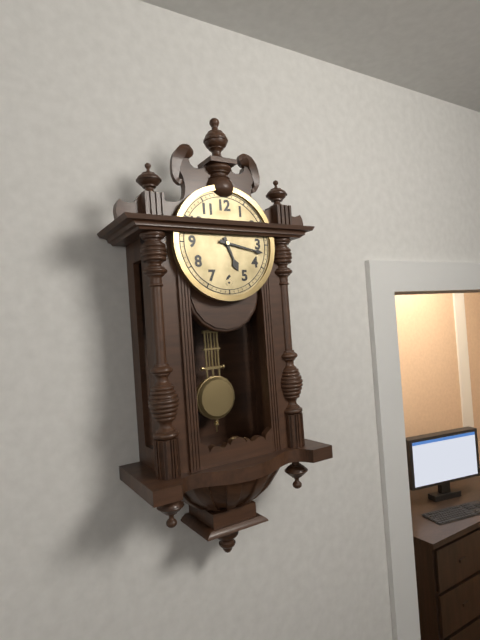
{"hour": 5, "minute": 17}
